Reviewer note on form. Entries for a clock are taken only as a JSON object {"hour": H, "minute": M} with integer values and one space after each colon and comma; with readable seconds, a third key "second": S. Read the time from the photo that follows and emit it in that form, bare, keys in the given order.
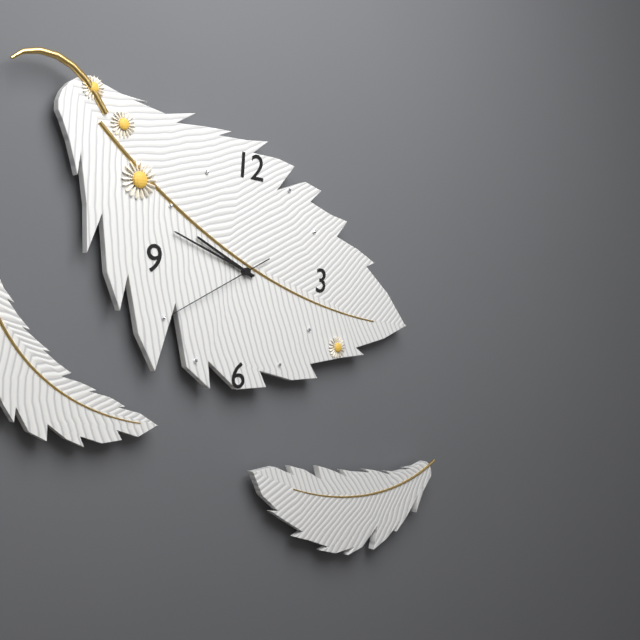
{"hour": 9, "minute": 48, "second": 40}
